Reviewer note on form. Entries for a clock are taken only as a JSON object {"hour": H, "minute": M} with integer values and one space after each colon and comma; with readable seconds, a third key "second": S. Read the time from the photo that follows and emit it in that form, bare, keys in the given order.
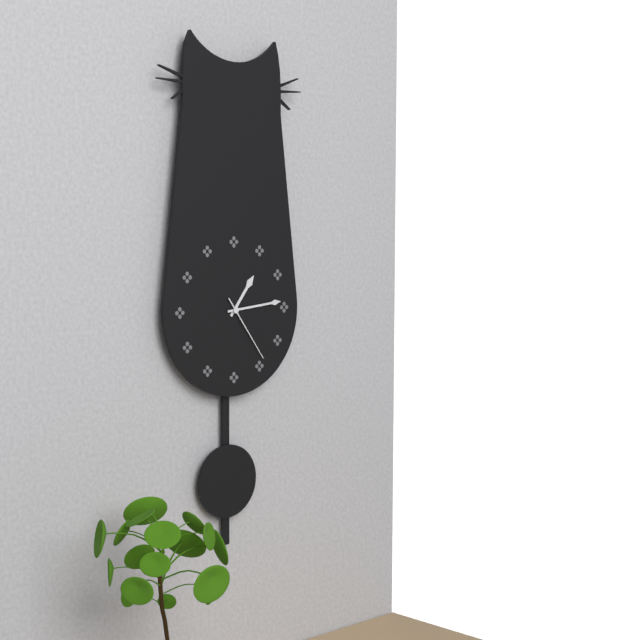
{"hour": 1, "minute": 14, "second": 24}
